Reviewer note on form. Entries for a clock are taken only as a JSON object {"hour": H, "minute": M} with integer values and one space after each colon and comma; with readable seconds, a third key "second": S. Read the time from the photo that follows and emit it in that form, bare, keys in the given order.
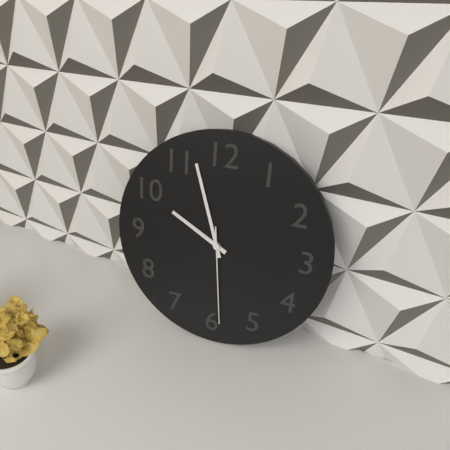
{"hour": 9, "minute": 57, "second": 29}
